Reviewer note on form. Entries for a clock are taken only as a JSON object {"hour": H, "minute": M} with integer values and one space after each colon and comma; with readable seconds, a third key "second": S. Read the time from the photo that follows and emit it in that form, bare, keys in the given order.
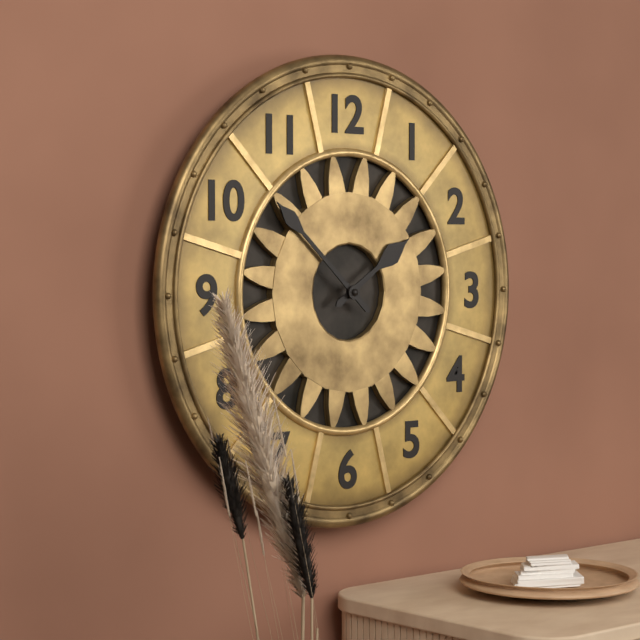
{"hour": 1, "minute": 52}
